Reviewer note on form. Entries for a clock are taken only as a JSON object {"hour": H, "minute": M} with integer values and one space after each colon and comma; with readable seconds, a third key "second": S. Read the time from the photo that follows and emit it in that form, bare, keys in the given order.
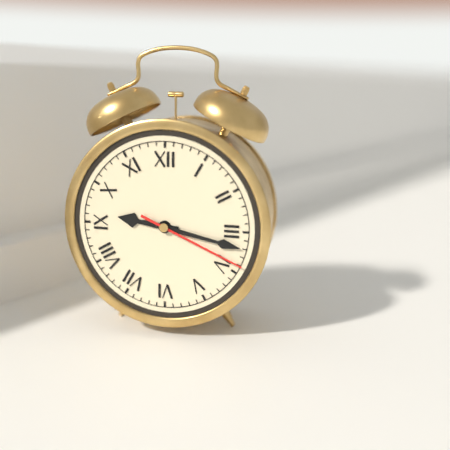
{"hour": 9, "minute": 17, "second": 19}
